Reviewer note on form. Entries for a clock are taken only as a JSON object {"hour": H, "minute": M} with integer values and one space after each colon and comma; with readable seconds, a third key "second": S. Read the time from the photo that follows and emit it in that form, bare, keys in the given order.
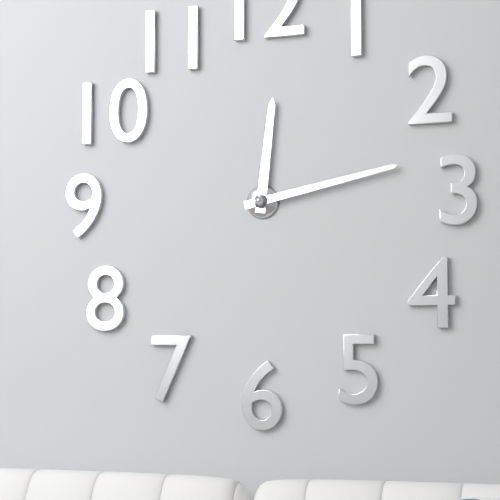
{"hour": 12, "minute": 13}
